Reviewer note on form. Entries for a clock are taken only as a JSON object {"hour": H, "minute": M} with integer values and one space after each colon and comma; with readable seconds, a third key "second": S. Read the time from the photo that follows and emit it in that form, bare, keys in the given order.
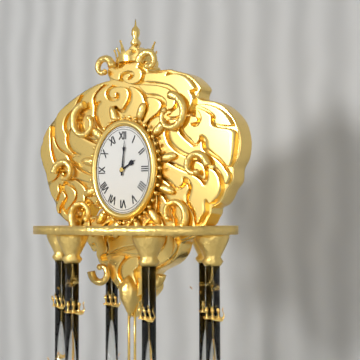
{"hour": 2, "minute": 1}
